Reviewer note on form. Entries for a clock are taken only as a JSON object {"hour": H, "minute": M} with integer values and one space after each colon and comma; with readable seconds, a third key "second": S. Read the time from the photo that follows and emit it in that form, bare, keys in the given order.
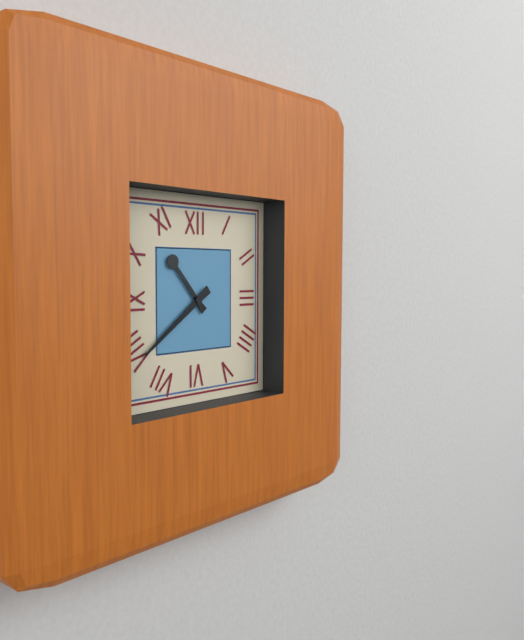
{"hour": 10, "minute": 39}
